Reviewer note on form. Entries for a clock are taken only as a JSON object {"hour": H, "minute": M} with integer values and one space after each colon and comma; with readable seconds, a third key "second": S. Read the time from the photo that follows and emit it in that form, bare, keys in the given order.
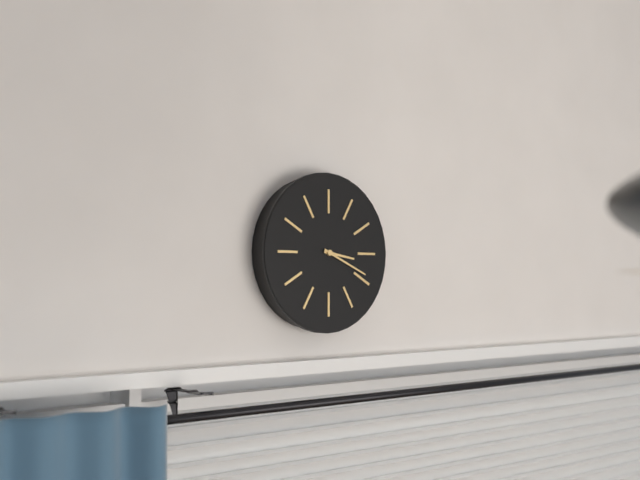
{"hour": 3, "minute": 19}
